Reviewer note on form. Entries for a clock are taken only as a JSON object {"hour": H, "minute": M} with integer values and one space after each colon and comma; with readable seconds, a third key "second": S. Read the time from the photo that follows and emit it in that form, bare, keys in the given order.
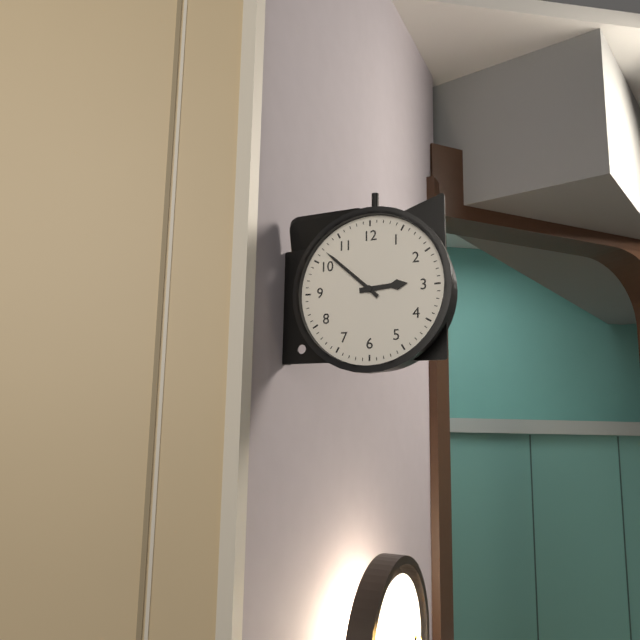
{"hour": 2, "minute": 52}
